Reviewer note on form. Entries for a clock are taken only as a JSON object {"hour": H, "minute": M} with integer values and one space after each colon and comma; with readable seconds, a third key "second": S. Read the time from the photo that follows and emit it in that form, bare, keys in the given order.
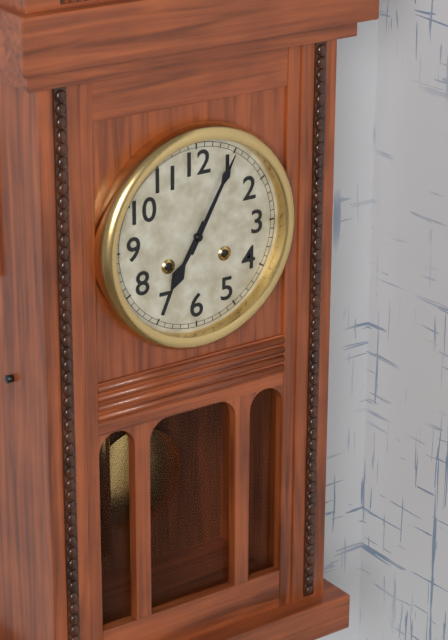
{"hour": 7, "minute": 5}
